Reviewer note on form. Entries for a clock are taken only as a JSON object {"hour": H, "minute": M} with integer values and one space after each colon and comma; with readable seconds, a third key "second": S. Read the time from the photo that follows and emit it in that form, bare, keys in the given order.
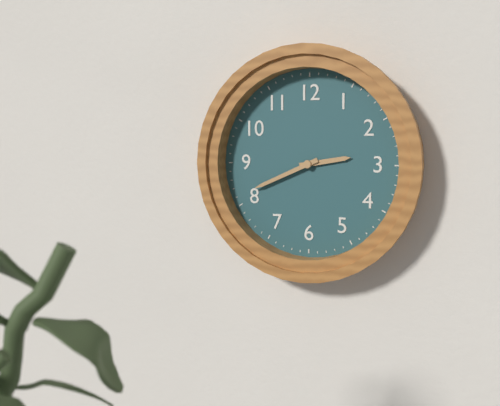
{"hour": 2, "minute": 41}
